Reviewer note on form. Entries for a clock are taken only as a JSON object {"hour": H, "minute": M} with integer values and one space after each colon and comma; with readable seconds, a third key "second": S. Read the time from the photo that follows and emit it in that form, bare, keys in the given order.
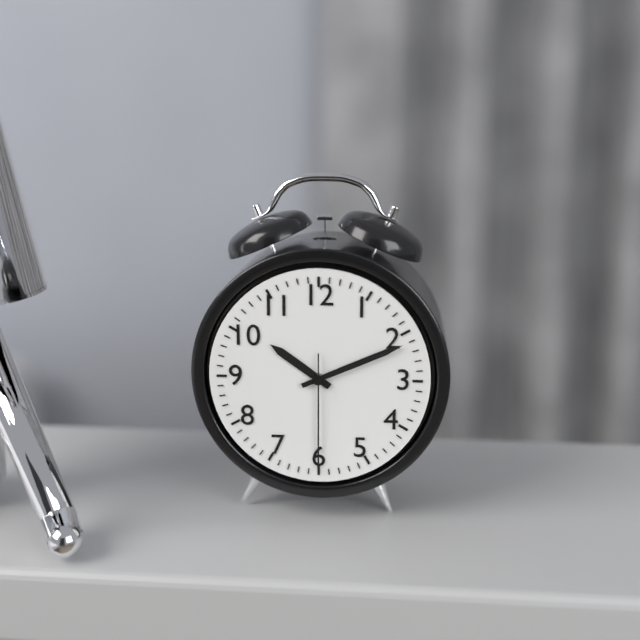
{"hour": 10, "minute": 11, "second": 30}
